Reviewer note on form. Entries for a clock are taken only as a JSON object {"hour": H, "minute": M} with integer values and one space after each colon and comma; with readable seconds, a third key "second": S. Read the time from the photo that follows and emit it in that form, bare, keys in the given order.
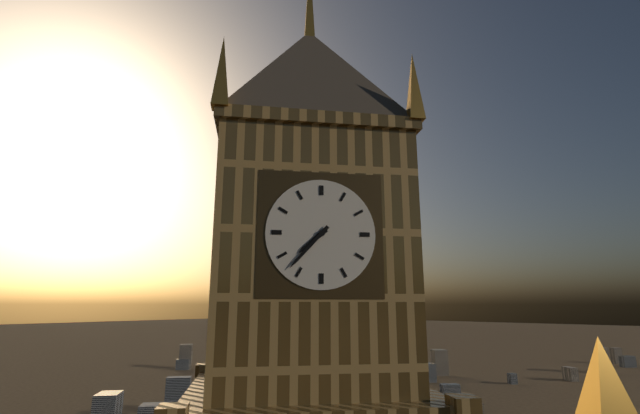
{"hour": 7, "minute": 37}
